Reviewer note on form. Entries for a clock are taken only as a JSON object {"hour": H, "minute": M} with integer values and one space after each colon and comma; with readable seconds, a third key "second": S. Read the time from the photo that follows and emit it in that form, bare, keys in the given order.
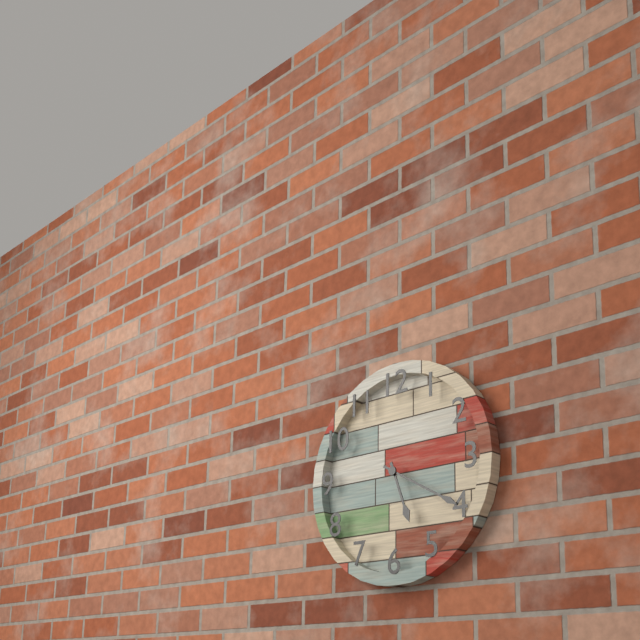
{"hour": 5, "minute": 20}
